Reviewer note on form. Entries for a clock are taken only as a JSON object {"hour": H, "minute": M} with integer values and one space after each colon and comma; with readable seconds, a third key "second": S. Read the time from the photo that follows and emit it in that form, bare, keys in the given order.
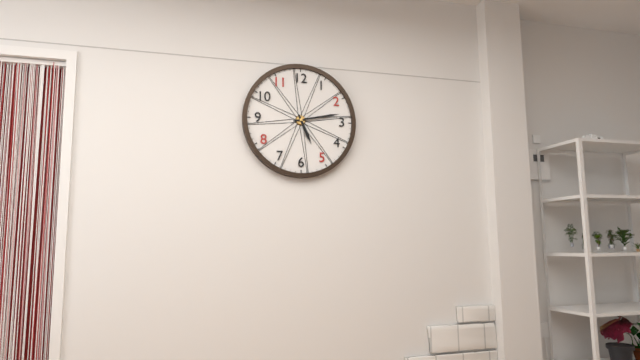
{"hour": 5, "minute": 13}
